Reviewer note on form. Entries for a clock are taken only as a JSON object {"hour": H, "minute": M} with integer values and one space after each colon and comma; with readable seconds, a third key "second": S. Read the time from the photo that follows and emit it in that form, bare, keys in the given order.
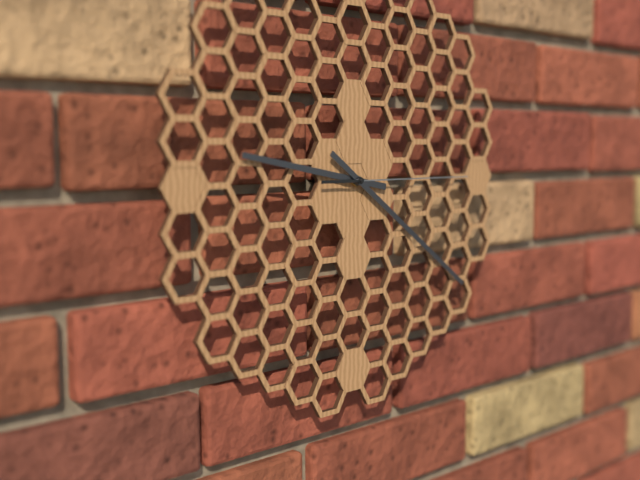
{"hour": 9, "minute": 21, "second": 15}
